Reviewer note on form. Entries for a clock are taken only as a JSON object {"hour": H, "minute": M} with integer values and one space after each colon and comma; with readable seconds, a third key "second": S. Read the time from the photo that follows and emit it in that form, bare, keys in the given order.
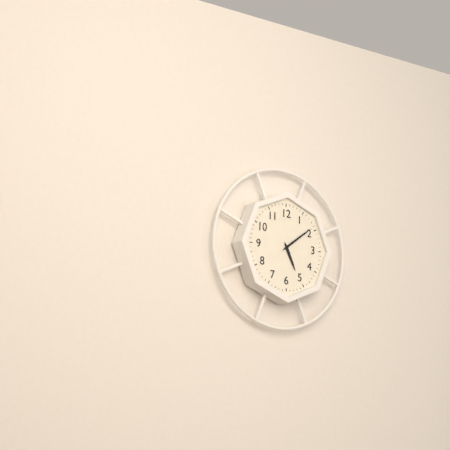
{"hour": 5, "minute": 9}
